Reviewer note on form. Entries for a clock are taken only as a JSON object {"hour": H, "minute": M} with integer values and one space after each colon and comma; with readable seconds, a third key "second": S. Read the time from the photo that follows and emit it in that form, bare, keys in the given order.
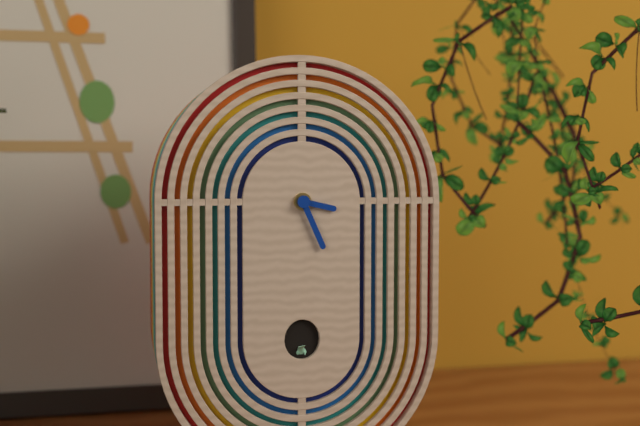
{"hour": 3, "minute": 26}
